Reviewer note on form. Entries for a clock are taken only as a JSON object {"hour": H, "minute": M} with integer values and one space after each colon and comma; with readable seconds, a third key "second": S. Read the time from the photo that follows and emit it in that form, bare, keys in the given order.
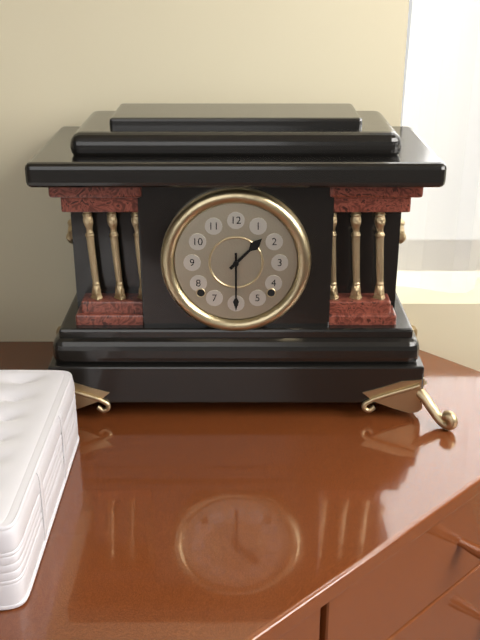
{"hour": 1, "minute": 30}
